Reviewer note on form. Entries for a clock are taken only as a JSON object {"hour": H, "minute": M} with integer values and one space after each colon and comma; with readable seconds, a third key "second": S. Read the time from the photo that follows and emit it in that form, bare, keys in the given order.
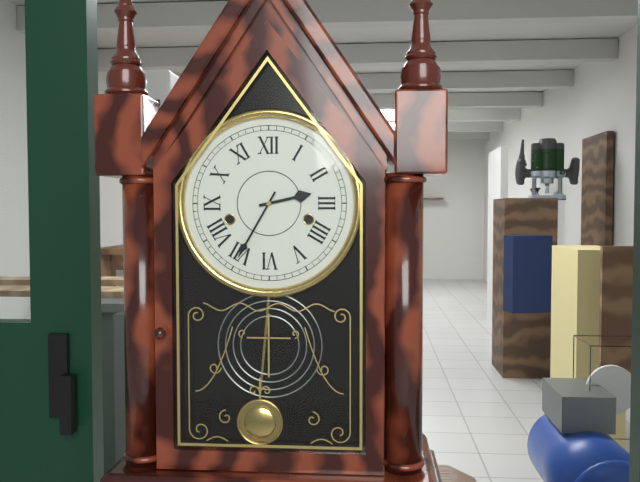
{"hour": 2, "minute": 35}
